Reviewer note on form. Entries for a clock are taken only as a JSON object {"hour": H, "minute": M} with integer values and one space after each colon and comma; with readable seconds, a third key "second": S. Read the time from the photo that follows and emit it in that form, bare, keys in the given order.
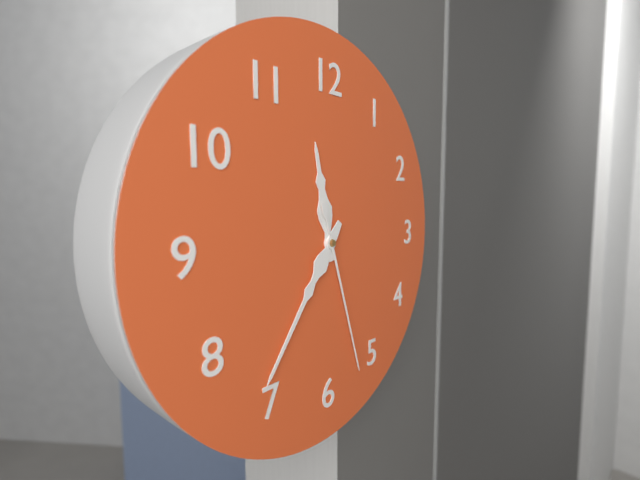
{"hour": 11, "minute": 36, "second": 27}
